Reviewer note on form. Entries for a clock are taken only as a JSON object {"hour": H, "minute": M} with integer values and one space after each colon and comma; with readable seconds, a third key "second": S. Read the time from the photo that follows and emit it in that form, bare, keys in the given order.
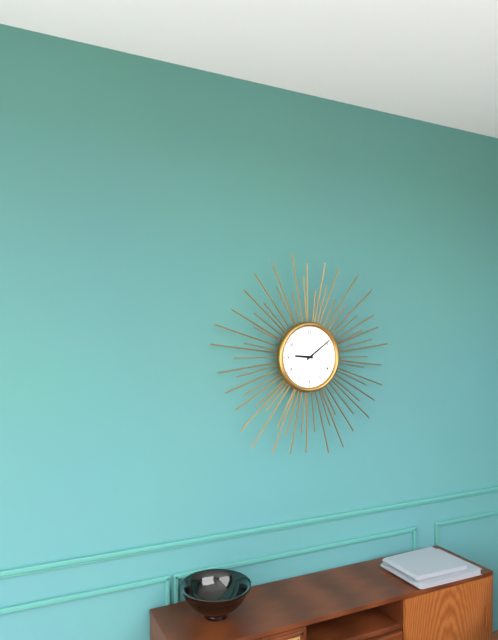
{"hour": 9, "minute": 9}
